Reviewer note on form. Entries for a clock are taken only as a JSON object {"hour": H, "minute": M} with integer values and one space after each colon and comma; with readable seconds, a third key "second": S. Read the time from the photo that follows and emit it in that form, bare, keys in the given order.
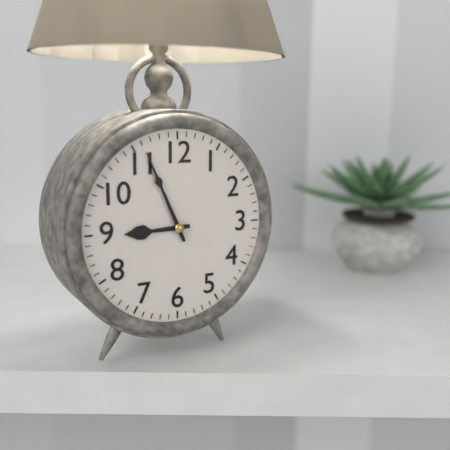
{"hour": 8, "minute": 56}
